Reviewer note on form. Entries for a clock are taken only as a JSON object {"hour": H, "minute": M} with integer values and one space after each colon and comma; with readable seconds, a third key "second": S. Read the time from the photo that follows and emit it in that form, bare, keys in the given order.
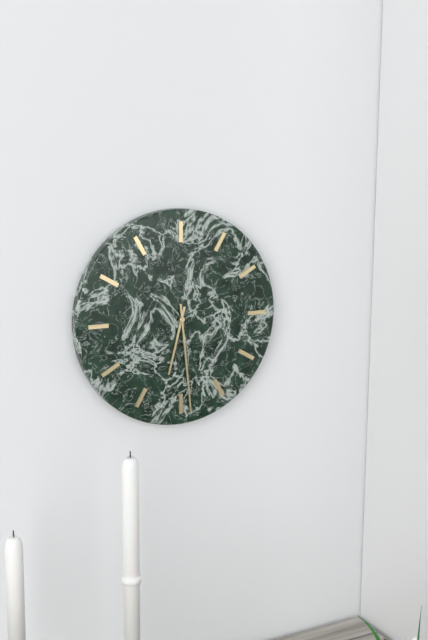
{"hour": 6, "minute": 29}
